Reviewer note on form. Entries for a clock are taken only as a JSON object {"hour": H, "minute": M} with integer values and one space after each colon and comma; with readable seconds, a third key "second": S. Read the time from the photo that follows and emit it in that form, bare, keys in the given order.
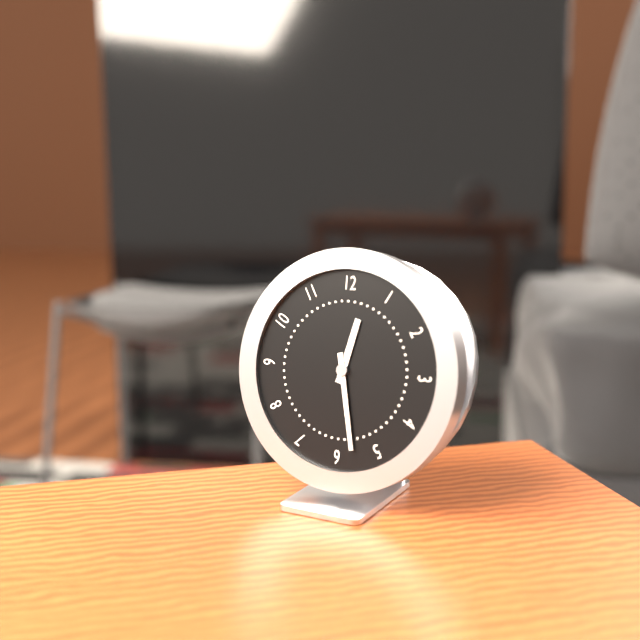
{"hour": 12, "minute": 28}
